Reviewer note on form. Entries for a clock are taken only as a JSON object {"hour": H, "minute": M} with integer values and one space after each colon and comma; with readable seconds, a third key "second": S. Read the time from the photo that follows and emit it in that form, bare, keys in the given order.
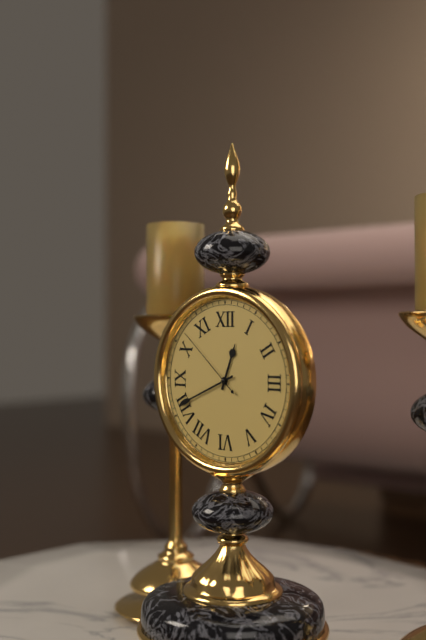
{"hour": 12, "minute": 41, "second": 52}
